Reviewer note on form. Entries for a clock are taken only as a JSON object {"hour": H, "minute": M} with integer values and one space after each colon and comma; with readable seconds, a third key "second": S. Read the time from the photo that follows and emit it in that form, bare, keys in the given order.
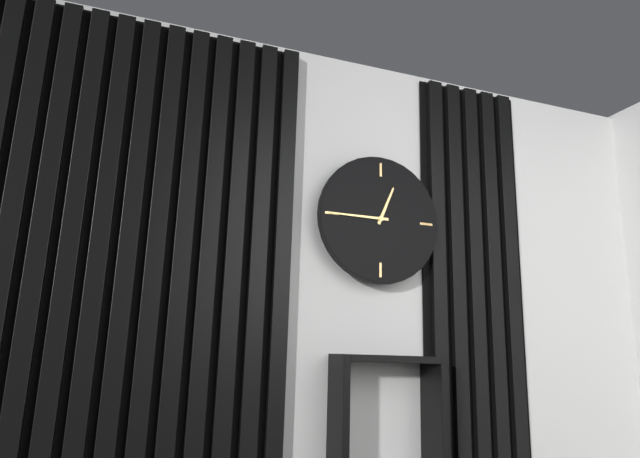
{"hour": 12, "minute": 45}
